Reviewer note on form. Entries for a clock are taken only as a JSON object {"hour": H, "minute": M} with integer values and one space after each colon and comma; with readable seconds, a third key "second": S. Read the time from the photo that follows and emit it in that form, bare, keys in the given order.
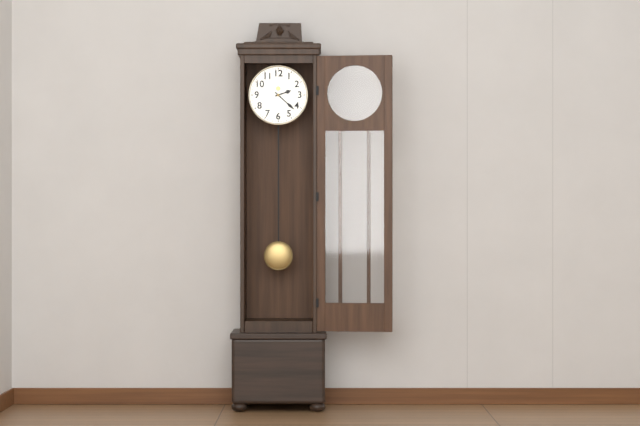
{"hour": 2, "minute": 22}
